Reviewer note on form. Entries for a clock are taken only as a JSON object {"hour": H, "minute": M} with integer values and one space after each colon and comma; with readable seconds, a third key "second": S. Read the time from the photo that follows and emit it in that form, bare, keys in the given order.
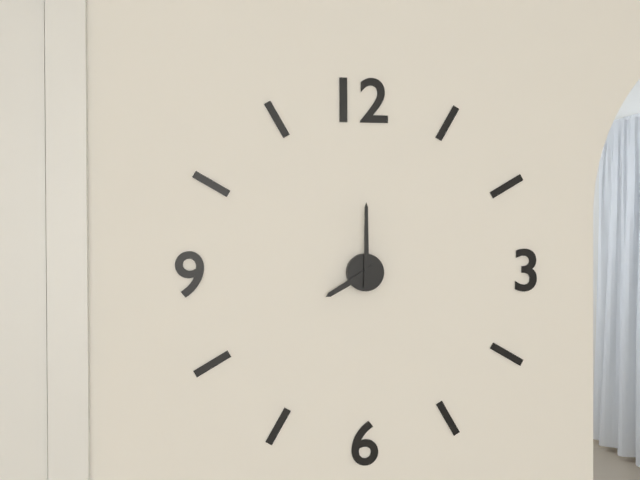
{"hour": 8, "minute": 0}
